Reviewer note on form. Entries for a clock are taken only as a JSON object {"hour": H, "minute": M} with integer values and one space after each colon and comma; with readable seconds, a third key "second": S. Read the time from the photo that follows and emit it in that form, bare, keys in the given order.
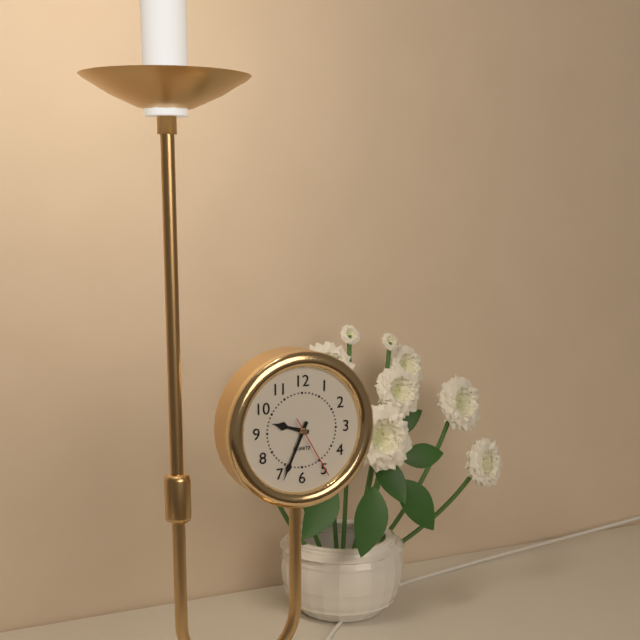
{"hour": 9, "minute": 34, "second": 25}
